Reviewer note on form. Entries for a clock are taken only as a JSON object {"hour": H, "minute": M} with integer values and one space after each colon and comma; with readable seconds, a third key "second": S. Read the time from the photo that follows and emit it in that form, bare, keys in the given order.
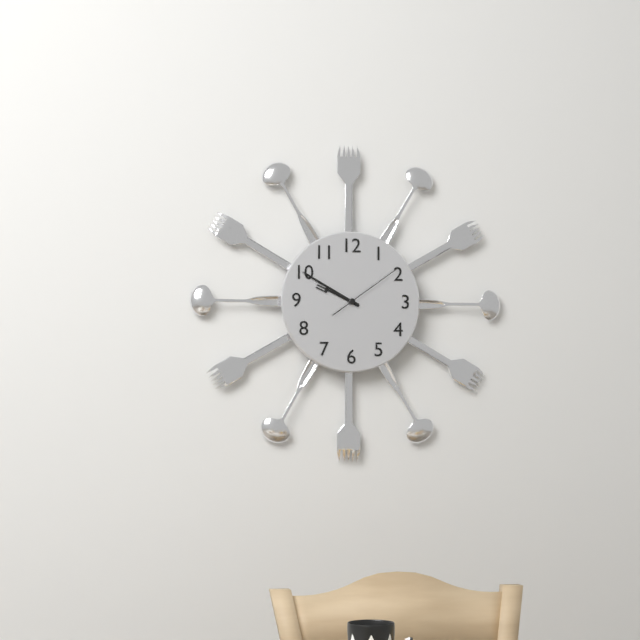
{"hour": 9, "minute": 50, "second": 9}
